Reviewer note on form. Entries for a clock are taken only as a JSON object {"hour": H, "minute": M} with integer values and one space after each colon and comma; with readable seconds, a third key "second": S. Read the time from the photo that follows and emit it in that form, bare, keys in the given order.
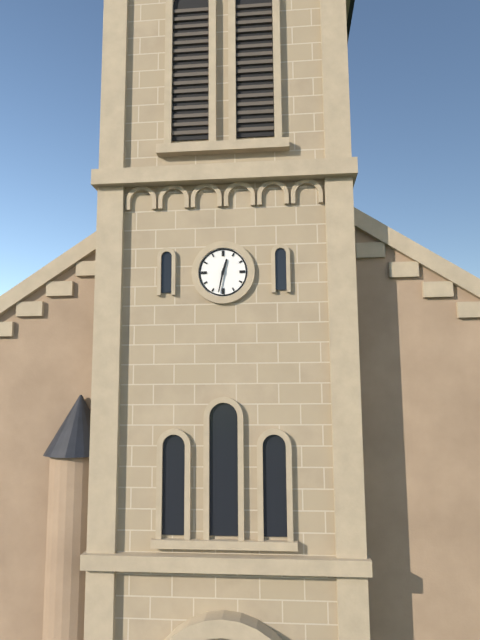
{"hour": 12, "minute": 32}
